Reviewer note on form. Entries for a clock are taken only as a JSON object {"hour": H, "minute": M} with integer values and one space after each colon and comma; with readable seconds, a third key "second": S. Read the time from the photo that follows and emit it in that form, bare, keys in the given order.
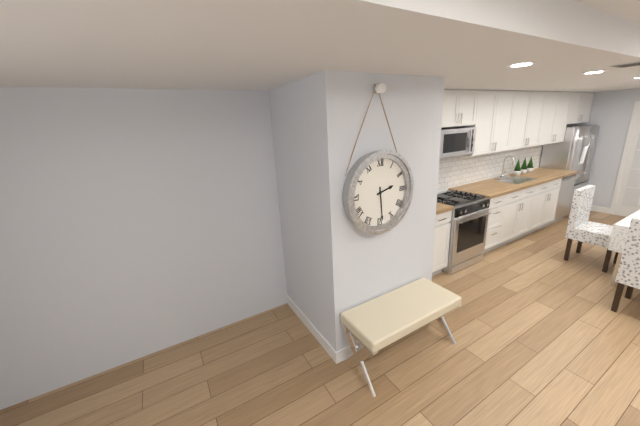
{"hour": 2, "minute": 29}
